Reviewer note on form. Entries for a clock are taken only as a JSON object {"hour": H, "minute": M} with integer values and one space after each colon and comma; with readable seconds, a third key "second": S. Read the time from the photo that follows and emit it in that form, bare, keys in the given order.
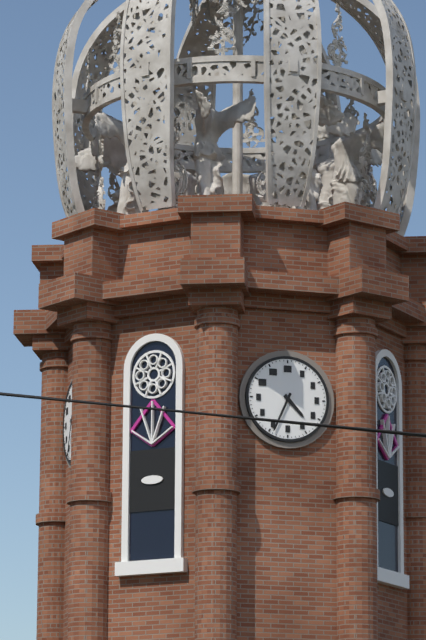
{"hour": 4, "minute": 34}
